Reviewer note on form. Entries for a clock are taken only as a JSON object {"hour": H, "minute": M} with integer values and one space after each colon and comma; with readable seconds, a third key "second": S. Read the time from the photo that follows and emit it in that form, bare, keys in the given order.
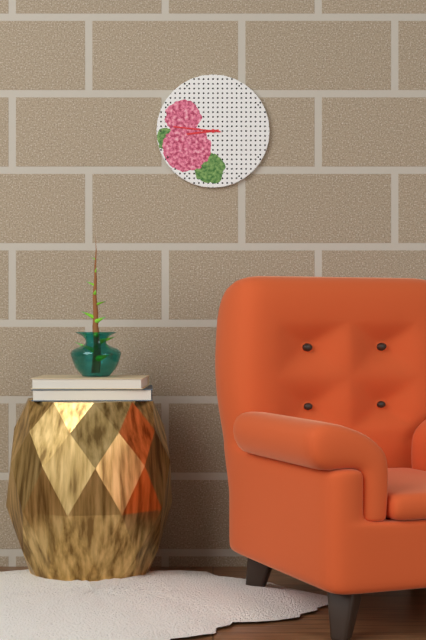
{"hour": 8, "minute": 46}
